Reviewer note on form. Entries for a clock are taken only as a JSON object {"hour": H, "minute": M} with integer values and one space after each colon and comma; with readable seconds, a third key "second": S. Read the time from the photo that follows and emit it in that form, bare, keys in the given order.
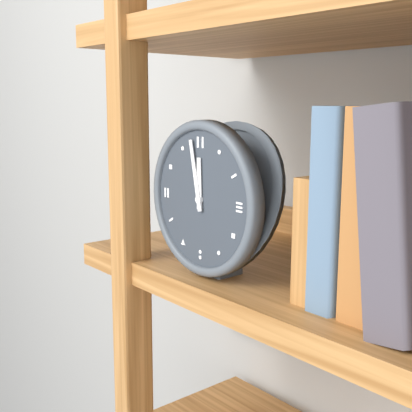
{"hour": 11, "minute": 58}
